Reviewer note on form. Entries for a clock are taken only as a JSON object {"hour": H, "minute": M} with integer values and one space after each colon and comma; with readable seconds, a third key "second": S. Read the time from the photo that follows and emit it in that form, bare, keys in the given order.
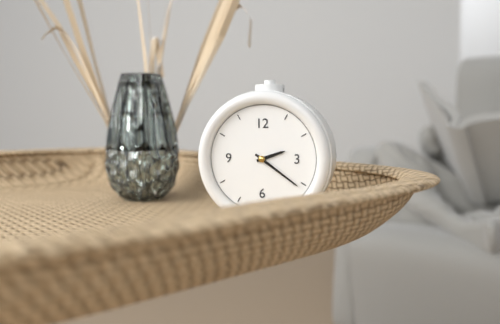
{"hour": 2, "minute": 21}
